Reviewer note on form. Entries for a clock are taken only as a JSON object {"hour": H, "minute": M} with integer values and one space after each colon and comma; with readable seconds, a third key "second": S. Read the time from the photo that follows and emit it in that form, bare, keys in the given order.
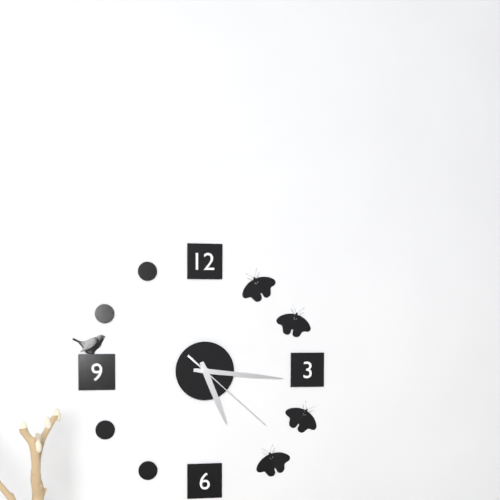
{"hour": 5, "minute": 16, "second": 22}
